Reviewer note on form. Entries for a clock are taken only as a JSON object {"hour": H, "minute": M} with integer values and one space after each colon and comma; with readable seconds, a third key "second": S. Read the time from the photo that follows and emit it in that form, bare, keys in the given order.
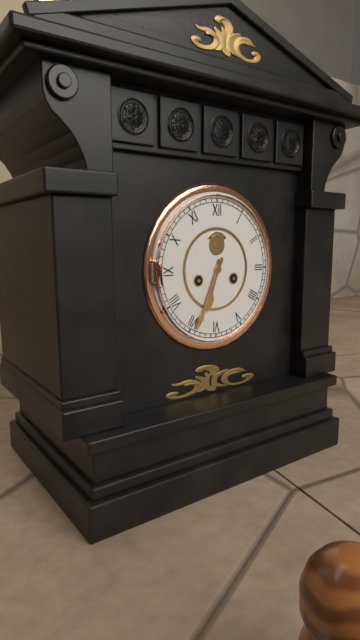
{"hour": 6, "minute": 34}
